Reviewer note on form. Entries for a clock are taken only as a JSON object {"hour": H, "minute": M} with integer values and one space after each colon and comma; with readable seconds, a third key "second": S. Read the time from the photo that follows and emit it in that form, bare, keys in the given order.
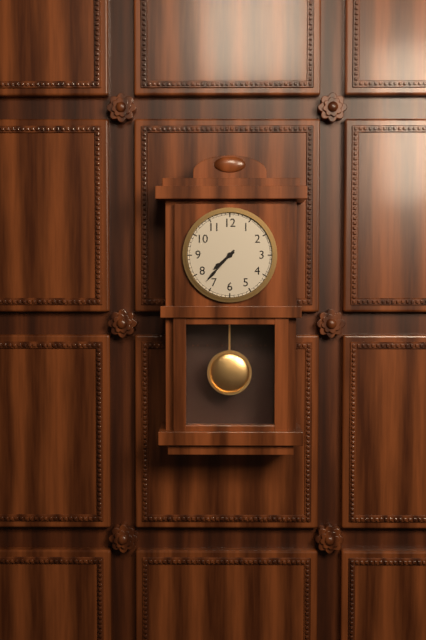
{"hour": 7, "minute": 37}
